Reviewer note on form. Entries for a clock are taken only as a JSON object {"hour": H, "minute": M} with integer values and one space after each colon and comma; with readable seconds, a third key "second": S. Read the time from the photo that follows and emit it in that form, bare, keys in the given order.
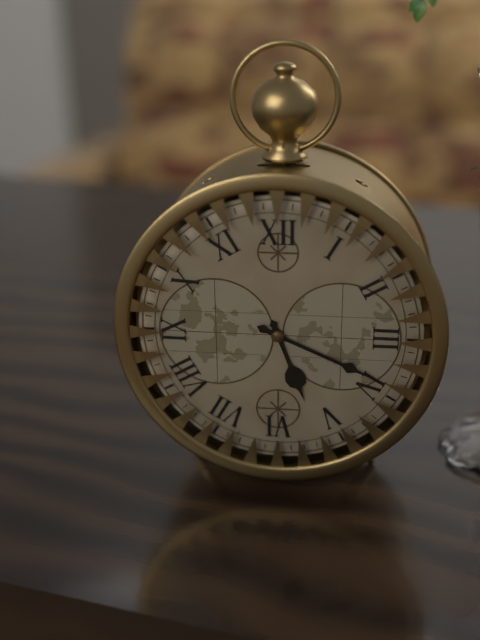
{"hour": 5, "minute": 19}
